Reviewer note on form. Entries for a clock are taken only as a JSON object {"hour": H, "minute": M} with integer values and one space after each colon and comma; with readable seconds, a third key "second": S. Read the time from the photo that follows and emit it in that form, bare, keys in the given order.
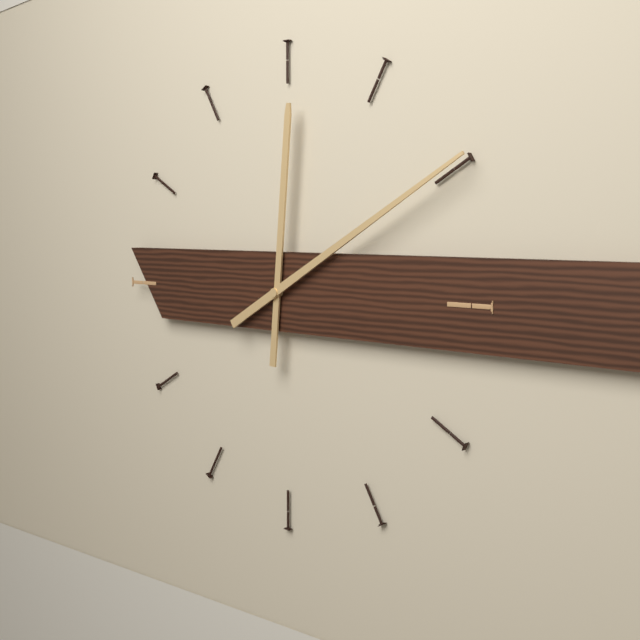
{"hour": 12, "minute": 10}
